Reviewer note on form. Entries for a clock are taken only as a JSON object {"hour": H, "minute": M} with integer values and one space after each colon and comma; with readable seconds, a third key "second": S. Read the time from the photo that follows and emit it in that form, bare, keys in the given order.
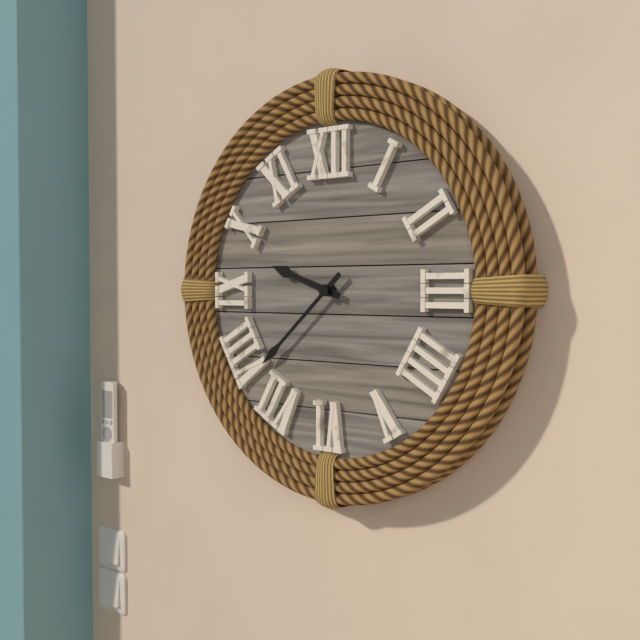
{"hour": 9, "minute": 38}
